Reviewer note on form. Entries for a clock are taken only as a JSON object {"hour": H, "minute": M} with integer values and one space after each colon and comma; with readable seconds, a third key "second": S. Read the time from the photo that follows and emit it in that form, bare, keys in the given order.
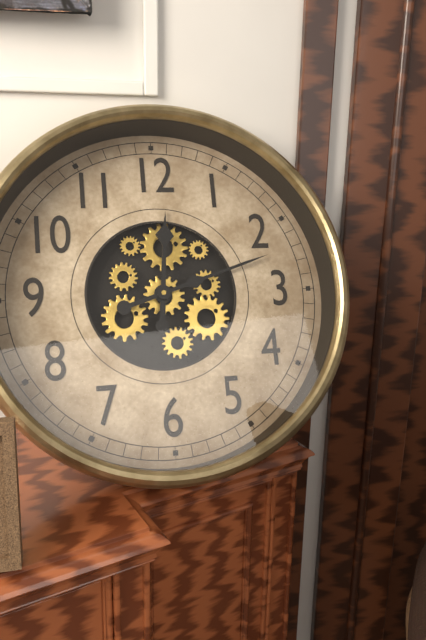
{"hour": 12, "minute": 12}
